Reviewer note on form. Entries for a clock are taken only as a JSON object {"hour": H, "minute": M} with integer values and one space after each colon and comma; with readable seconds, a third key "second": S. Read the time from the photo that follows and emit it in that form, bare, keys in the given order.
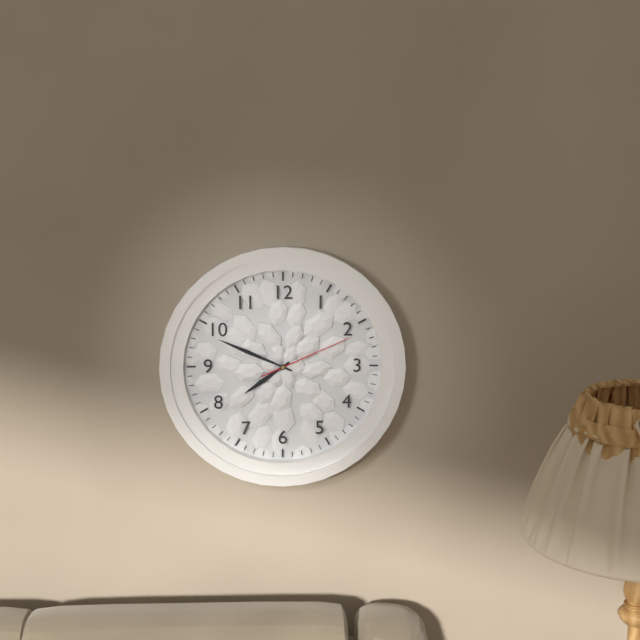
{"hour": 7, "minute": 49, "second": 11}
